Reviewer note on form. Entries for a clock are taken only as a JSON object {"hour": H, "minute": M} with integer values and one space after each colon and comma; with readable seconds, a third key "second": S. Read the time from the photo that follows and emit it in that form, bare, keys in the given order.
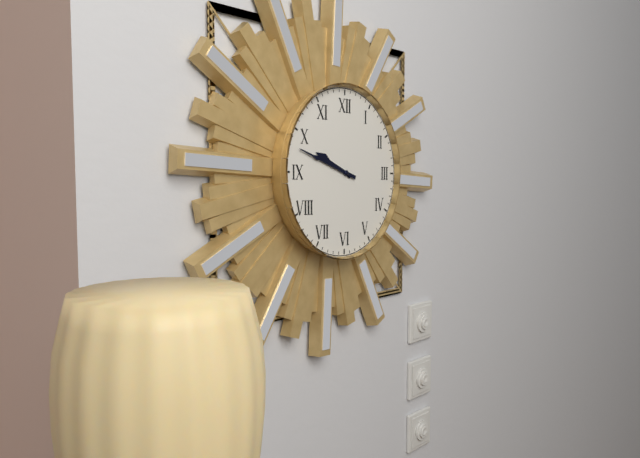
{"hour": 9, "minute": 48}
